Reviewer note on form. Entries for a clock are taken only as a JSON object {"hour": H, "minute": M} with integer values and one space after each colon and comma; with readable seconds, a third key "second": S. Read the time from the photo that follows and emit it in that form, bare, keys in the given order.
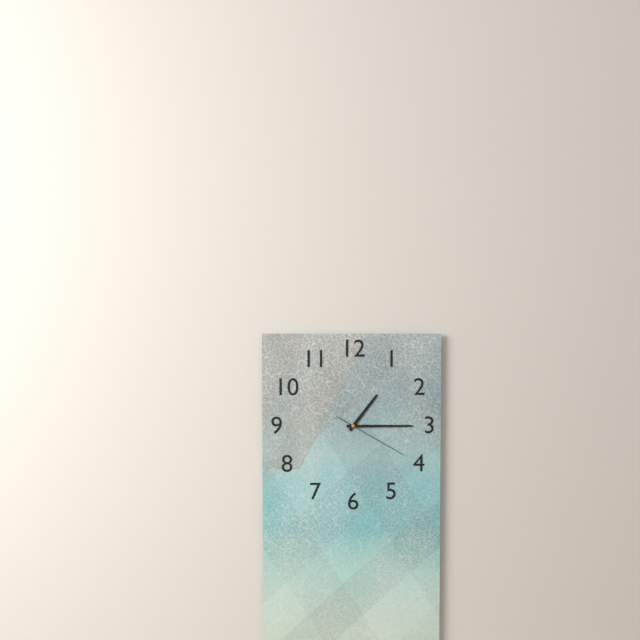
{"hour": 1, "minute": 15, "second": 20}
